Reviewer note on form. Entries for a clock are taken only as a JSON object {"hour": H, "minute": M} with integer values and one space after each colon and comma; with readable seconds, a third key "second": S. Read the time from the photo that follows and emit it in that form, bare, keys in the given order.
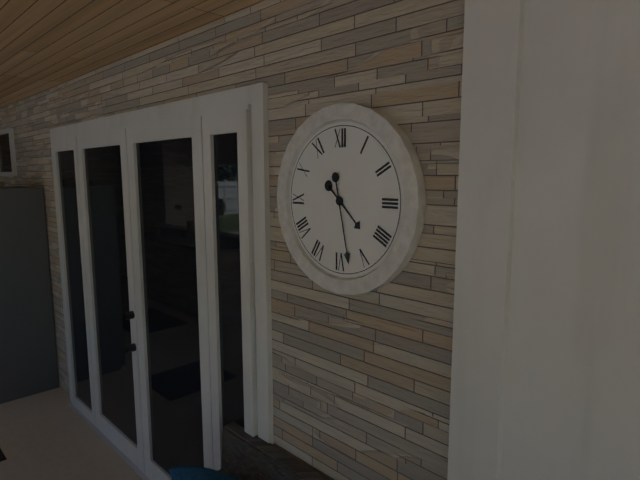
{"hour": 4, "minute": 28}
